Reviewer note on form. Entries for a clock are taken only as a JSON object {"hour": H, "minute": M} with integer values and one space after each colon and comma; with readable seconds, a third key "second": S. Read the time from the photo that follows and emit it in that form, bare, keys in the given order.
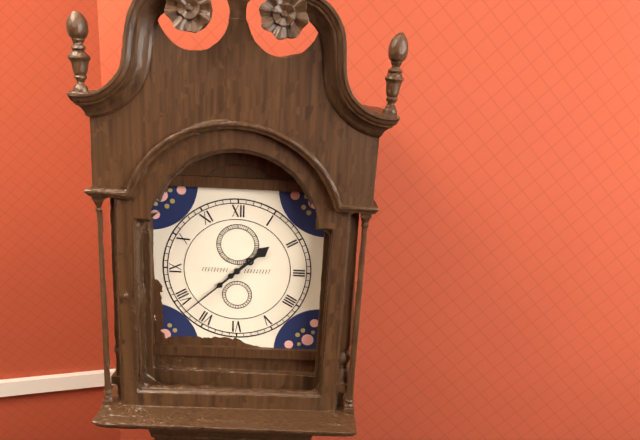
{"hour": 1, "minute": 38}
